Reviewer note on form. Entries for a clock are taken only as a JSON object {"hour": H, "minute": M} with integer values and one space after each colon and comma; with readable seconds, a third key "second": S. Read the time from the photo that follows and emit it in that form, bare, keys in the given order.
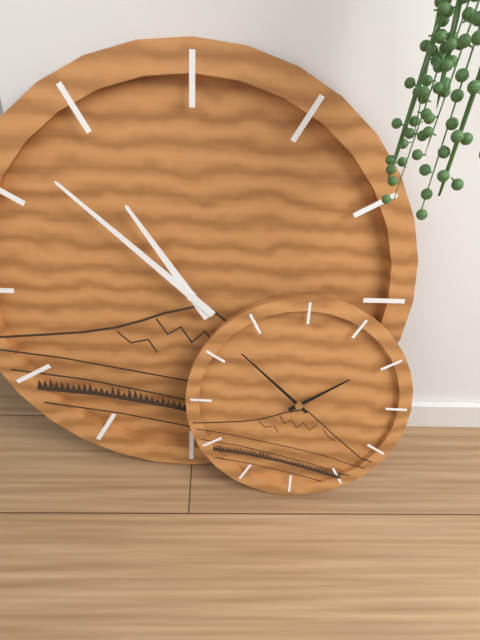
{"hour": 10, "minute": 52}
